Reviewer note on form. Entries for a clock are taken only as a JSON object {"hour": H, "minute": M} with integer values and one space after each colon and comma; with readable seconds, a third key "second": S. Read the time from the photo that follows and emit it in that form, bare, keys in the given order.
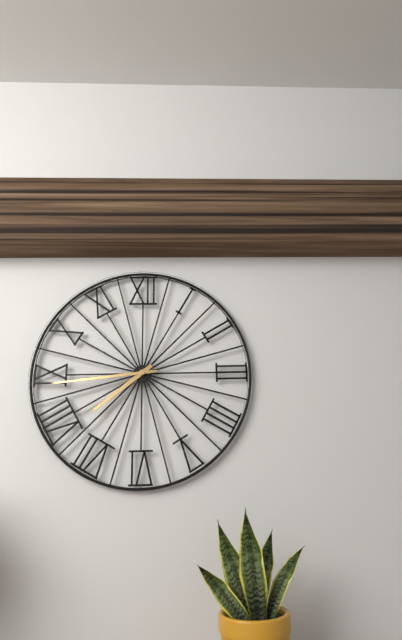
{"hour": 7, "minute": 44}
